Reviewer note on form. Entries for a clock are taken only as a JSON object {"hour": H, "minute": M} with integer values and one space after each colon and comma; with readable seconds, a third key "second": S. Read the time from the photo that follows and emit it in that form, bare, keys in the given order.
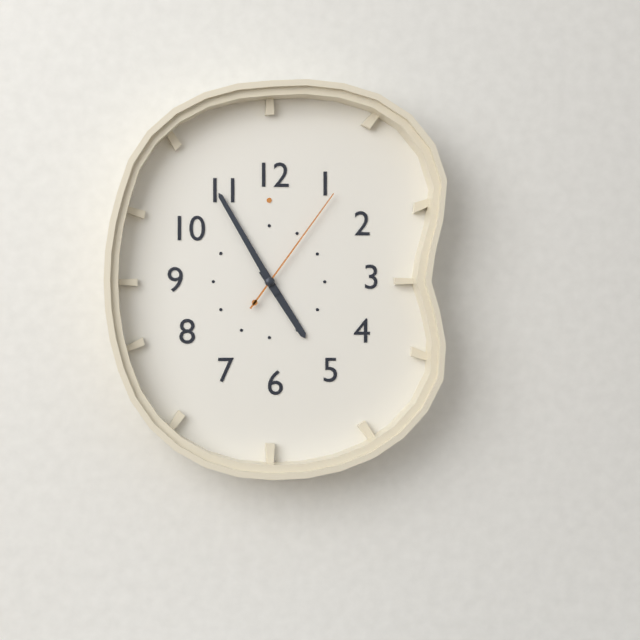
{"hour": 4, "minute": 55, "second": 6}
